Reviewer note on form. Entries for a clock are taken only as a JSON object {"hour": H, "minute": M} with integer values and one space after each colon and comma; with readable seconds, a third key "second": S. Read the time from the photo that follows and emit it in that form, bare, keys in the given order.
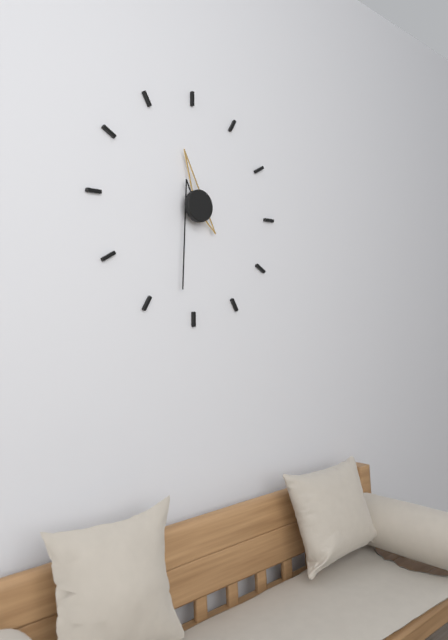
{"hour": 11, "minute": 32}
